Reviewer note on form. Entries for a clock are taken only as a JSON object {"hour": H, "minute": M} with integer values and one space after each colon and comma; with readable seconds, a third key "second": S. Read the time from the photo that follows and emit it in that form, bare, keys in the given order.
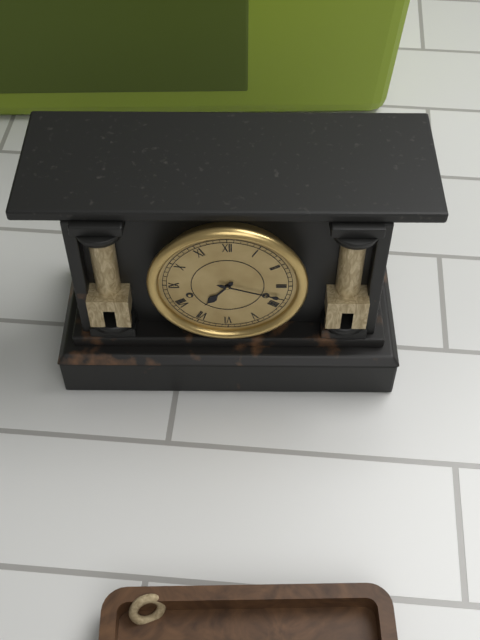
{"hour": 7, "minute": 18}
